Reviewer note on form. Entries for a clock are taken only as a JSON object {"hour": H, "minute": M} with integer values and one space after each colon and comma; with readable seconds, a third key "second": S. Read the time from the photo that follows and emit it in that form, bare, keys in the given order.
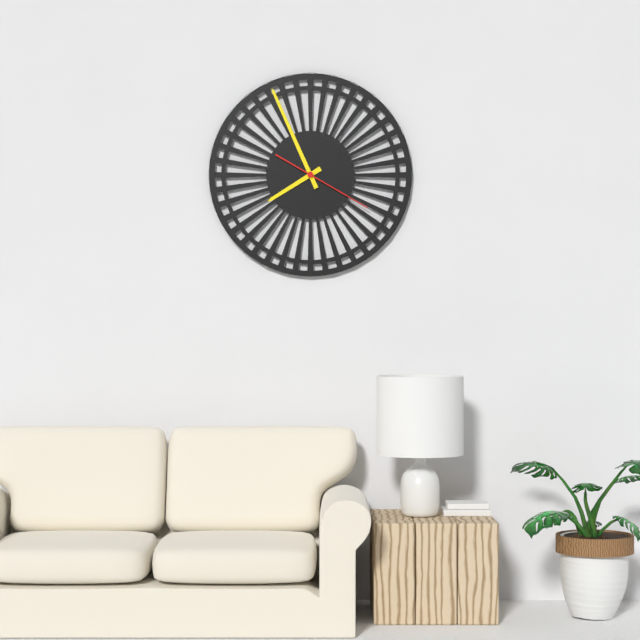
{"hour": 7, "minute": 56, "second": 20}
